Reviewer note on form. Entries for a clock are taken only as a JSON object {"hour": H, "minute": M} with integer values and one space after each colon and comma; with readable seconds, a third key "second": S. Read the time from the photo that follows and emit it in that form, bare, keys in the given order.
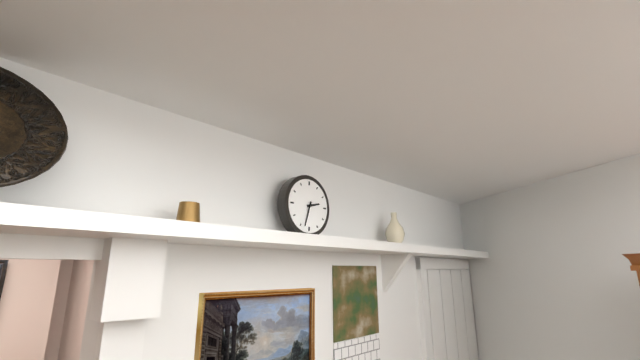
{"hour": 2, "minute": 33}
